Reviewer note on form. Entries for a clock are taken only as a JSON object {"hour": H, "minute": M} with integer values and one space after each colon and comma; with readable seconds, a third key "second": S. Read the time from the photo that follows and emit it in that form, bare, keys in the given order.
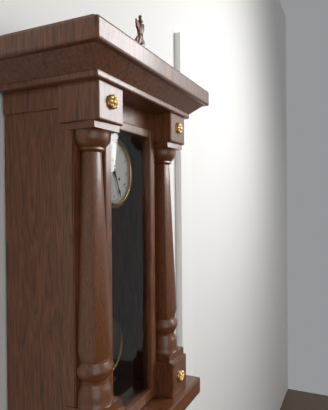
{"hour": 11, "minute": 26}
